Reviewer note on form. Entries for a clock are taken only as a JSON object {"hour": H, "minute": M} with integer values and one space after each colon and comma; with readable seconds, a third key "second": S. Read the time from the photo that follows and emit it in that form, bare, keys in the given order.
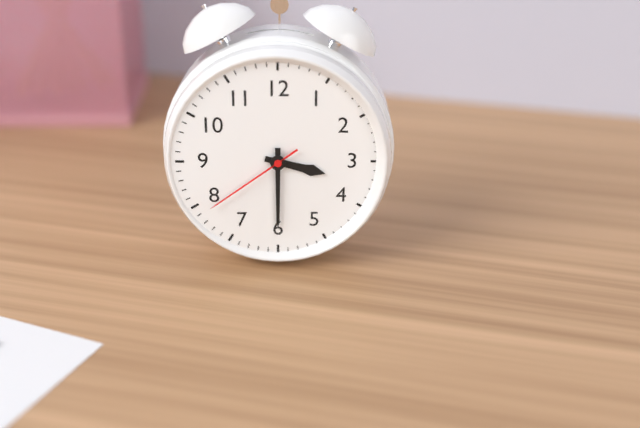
{"hour": 3, "minute": 30, "second": 39}
